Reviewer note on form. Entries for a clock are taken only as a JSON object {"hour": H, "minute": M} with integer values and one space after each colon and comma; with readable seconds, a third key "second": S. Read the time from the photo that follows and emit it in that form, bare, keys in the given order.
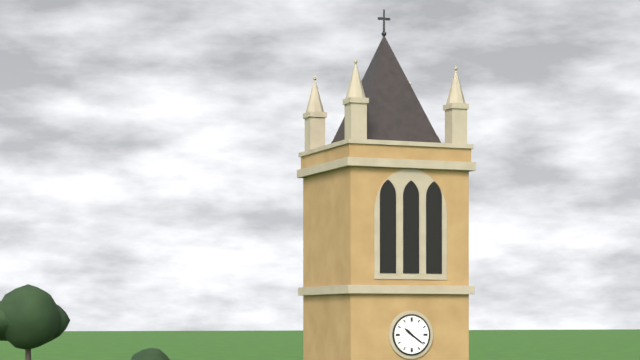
{"hour": 10, "minute": 21}
